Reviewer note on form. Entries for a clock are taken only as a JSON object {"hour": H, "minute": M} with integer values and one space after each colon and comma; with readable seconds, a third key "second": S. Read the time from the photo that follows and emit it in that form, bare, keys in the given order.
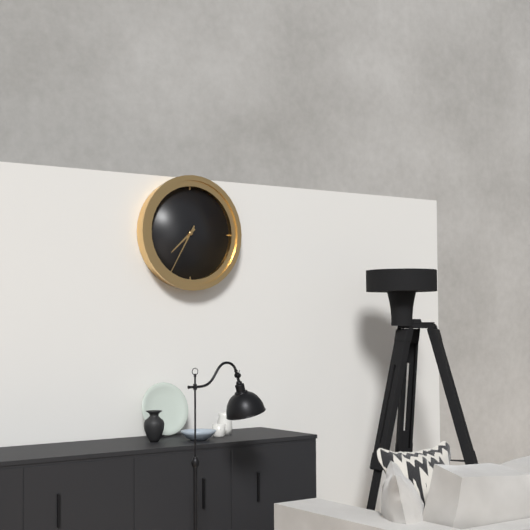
{"hour": 7, "minute": 35}
